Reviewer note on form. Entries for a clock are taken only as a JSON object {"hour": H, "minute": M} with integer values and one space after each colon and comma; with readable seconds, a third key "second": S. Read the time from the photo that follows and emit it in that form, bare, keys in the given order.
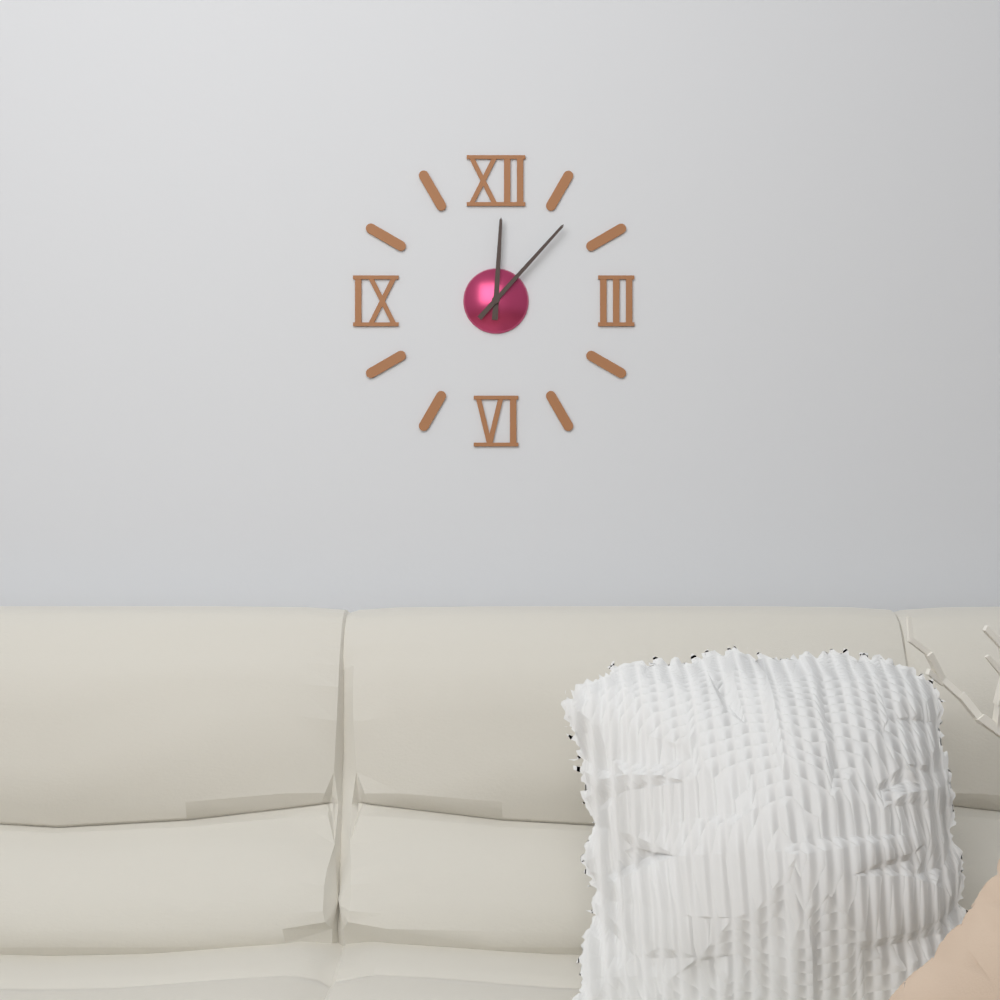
{"hour": 12, "minute": 7}
